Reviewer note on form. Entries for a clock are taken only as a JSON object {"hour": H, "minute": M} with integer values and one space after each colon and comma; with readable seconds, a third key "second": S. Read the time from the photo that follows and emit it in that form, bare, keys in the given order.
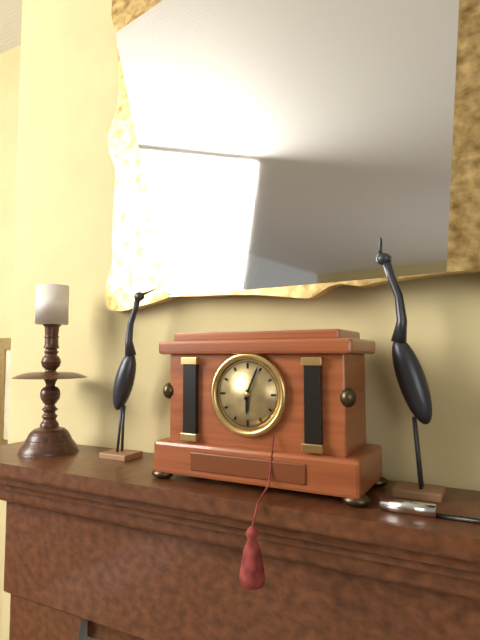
{"hour": 6, "minute": 4}
